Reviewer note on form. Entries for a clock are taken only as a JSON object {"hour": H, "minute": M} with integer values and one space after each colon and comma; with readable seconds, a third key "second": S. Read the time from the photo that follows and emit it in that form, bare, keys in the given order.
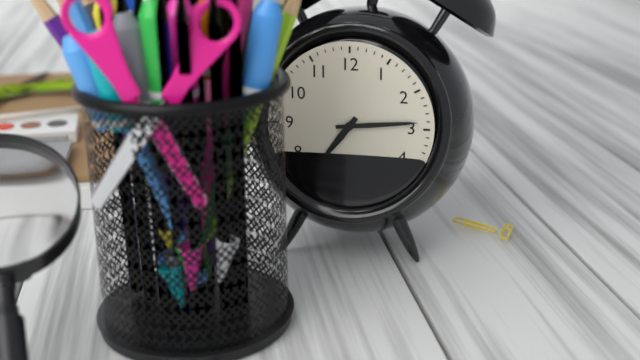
{"hour": 7, "minute": 14}
